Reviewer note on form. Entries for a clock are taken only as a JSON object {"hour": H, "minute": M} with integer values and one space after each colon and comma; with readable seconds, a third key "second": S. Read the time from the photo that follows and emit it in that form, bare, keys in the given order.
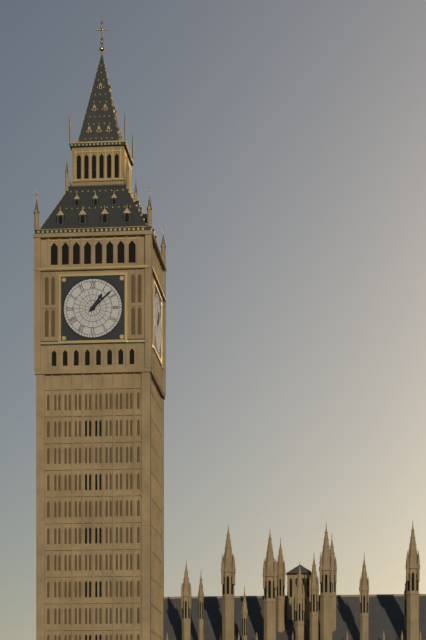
{"hour": 1, "minute": 8}
